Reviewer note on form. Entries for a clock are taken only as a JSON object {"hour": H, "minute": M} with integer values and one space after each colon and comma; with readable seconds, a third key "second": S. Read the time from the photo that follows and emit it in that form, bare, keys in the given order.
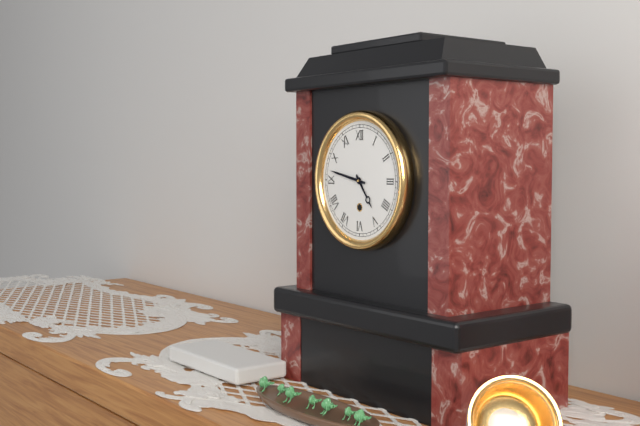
{"hour": 4, "minute": 47}
